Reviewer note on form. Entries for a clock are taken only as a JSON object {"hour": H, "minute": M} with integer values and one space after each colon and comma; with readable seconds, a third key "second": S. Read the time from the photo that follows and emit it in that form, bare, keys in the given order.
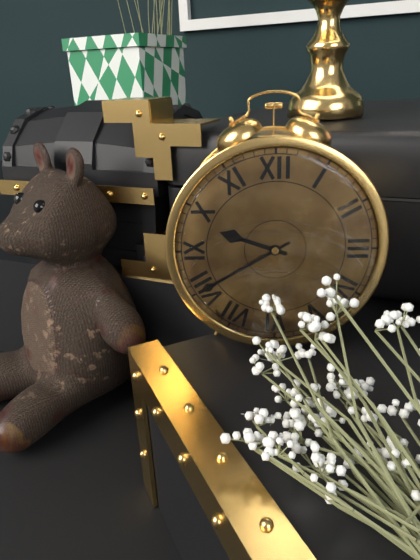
{"hour": 9, "minute": 40}
